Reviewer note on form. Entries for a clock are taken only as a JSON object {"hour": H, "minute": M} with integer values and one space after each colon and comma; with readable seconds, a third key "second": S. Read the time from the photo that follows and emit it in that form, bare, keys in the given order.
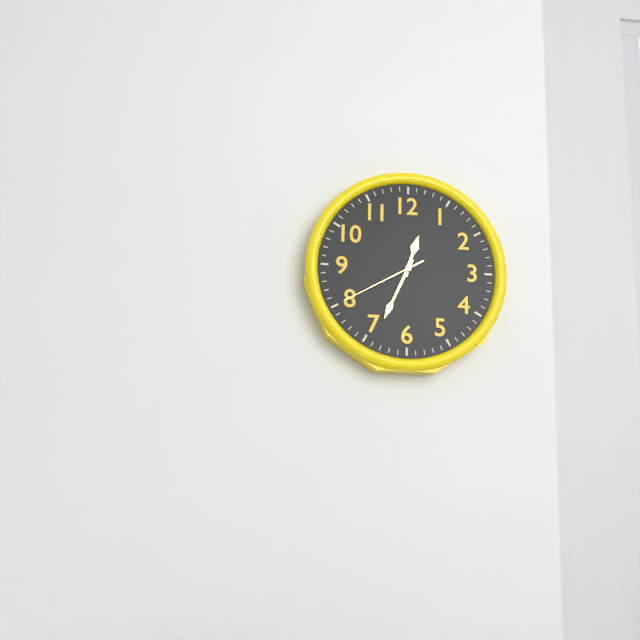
{"hour": 12, "minute": 34, "second": 40}
